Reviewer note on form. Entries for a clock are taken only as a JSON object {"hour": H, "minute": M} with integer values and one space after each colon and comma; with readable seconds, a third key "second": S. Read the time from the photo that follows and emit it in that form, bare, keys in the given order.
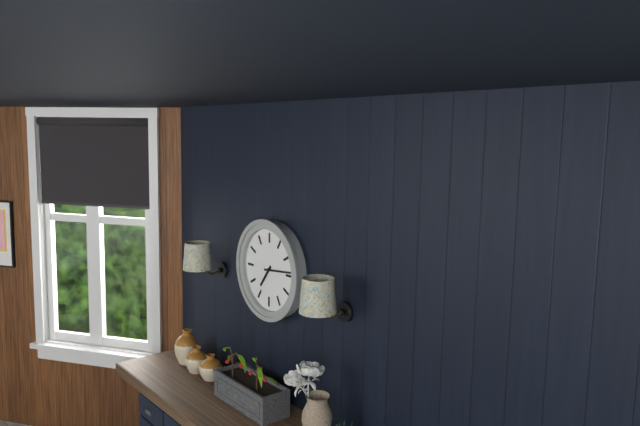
{"hour": 7, "minute": 14}
